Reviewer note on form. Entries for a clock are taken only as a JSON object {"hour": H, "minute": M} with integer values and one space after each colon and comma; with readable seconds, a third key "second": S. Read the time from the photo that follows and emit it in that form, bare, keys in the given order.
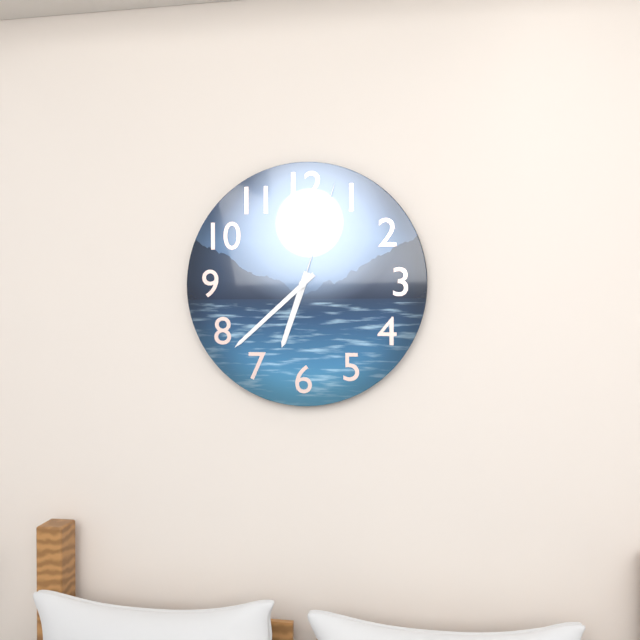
{"hour": 6, "minute": 38, "second": 3}
